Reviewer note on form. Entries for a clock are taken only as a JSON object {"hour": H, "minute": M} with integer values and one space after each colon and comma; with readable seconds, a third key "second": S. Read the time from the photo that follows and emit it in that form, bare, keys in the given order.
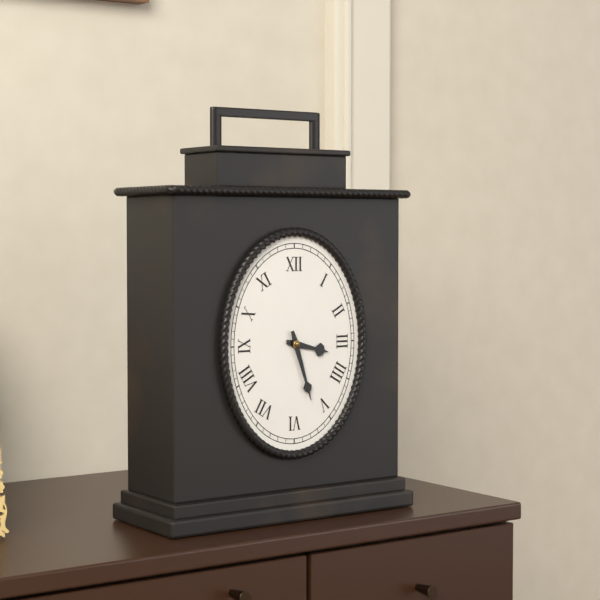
{"hour": 3, "minute": 27}
